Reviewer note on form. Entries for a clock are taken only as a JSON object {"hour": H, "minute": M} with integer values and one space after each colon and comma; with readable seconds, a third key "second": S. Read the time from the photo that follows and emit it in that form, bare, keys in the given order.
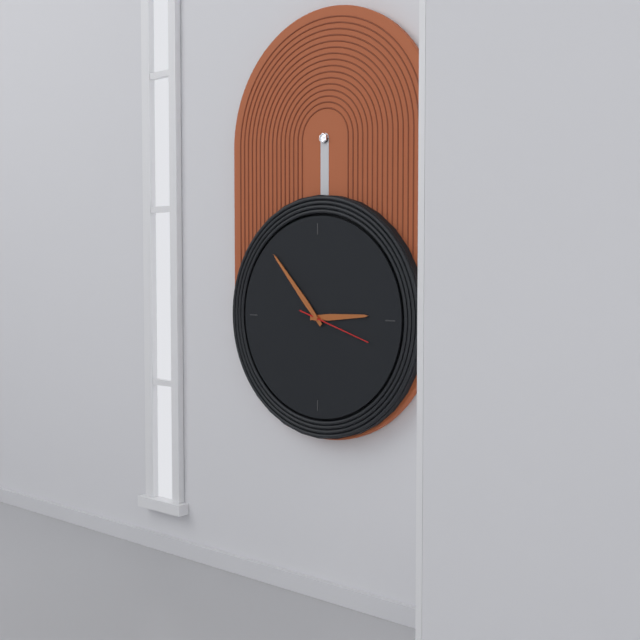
{"hour": 2, "minute": 53, "second": 18}
